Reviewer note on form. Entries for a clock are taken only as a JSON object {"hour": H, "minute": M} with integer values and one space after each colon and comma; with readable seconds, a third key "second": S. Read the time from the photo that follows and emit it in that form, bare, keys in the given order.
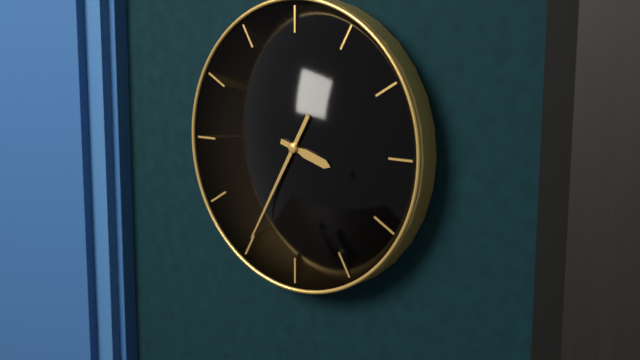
{"hour": 3, "minute": 35}
